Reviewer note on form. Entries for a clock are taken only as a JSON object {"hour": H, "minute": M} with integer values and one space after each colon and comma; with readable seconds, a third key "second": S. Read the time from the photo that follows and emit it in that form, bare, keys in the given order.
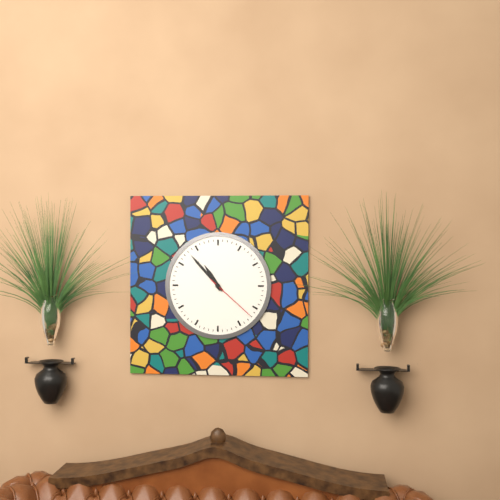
{"hour": 10, "minute": 53, "second": 22}
